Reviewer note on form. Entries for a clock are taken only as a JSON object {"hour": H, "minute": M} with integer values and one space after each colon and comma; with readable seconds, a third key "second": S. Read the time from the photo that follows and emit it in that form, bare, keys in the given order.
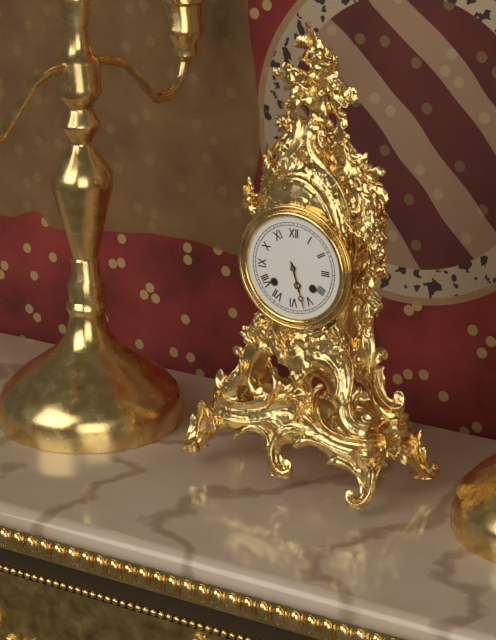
{"hour": 5, "minute": 27}
